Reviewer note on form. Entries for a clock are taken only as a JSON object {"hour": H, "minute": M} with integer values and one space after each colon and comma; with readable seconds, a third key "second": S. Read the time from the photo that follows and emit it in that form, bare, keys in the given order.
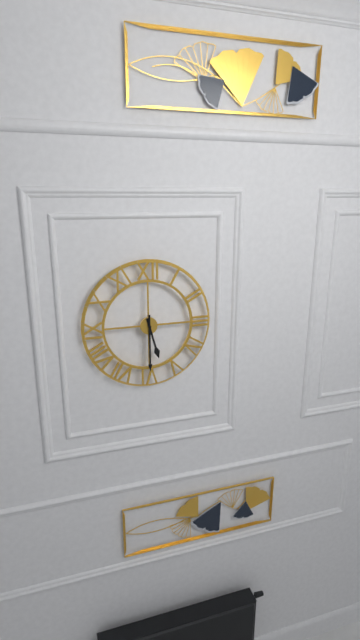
{"hour": 5, "minute": 30}
